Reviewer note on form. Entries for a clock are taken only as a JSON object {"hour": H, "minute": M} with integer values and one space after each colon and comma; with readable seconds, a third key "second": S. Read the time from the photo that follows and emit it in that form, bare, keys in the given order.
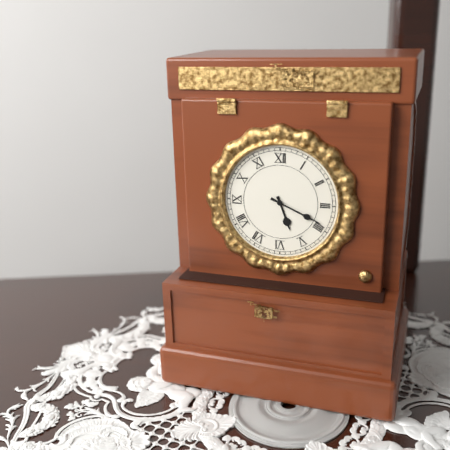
{"hour": 5, "minute": 19}
